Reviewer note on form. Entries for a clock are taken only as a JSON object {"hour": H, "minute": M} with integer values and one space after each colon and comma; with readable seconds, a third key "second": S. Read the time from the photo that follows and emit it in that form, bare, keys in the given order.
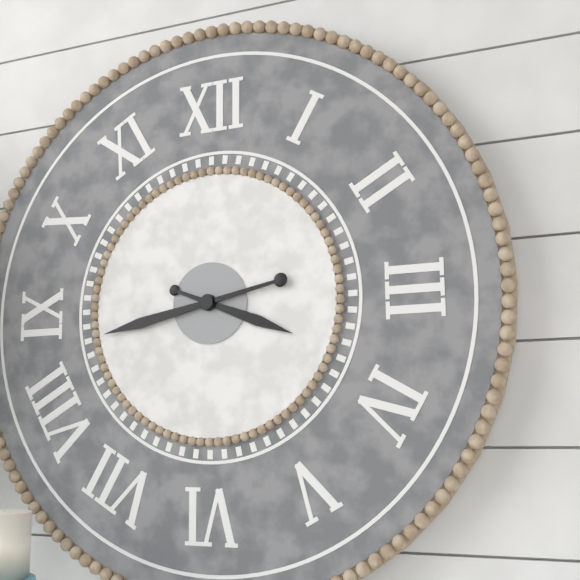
{"hour": 3, "minute": 43}
